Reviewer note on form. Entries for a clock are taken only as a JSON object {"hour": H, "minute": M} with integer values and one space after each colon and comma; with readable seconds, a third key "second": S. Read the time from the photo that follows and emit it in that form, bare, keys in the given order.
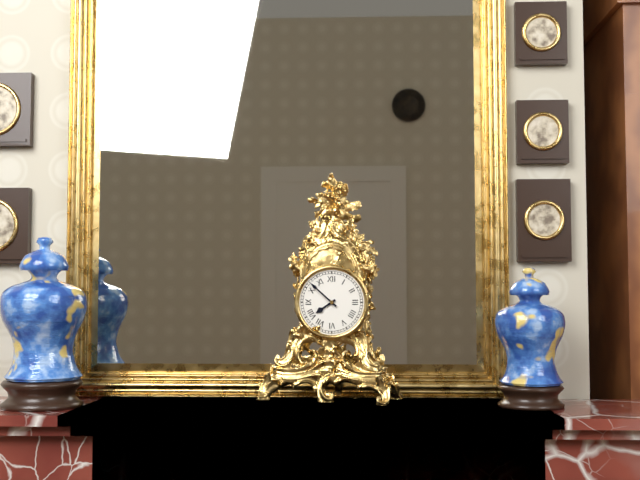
{"hour": 7, "minute": 52}
